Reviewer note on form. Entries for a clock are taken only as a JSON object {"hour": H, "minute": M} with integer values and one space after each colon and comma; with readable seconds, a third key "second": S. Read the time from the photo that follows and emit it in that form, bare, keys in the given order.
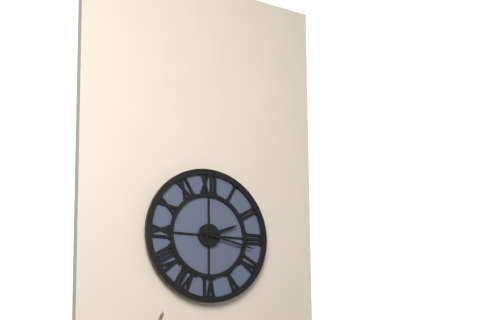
{"hour": 2, "minute": 17}
